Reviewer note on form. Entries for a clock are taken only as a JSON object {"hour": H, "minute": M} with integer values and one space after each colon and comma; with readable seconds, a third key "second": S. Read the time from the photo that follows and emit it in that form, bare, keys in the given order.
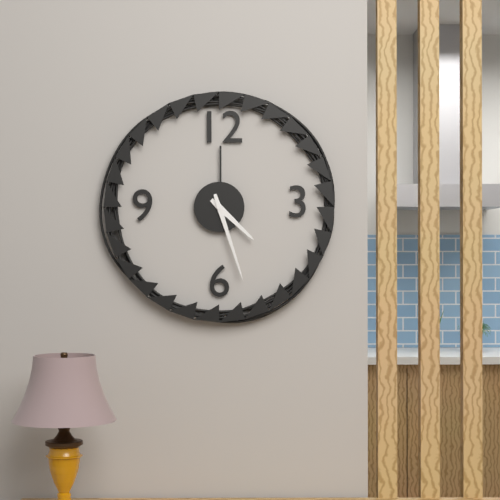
{"hour": 4, "minute": 27}
